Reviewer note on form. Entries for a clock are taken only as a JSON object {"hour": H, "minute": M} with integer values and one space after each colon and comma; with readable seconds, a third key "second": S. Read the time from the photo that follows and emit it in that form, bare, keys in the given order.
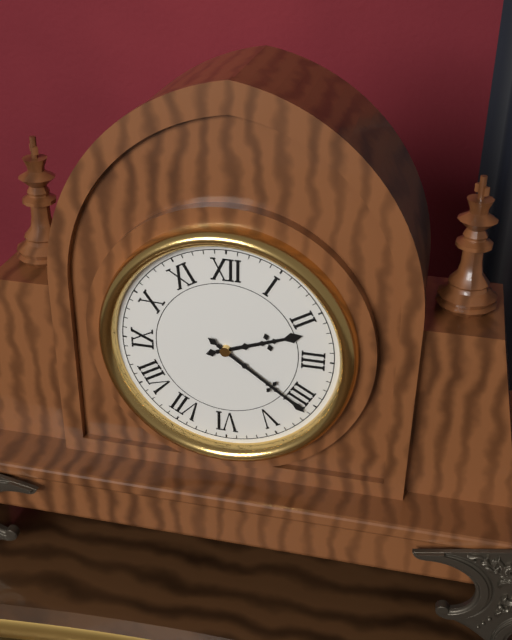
{"hour": 2, "minute": 21}
